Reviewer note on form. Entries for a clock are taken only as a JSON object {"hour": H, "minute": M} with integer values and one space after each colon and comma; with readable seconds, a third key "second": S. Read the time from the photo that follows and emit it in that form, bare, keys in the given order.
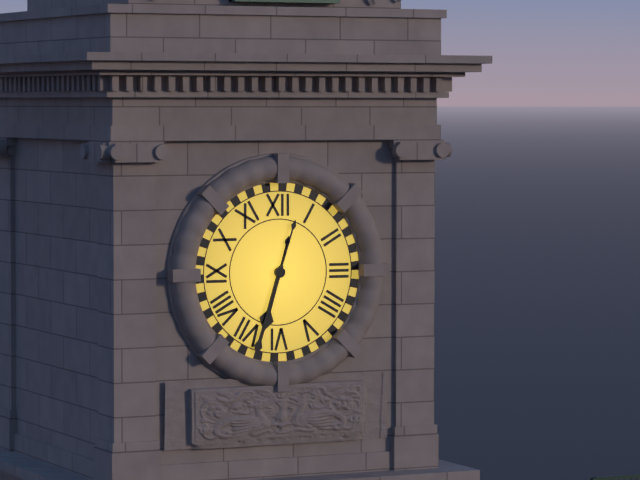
{"hour": 6, "minute": 33}
